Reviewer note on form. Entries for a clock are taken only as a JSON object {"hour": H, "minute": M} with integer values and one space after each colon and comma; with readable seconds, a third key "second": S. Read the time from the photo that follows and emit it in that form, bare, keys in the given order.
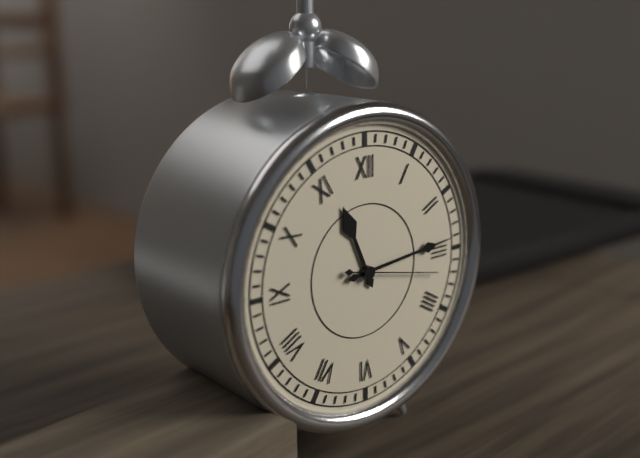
{"hour": 11, "minute": 14, "second": 17}
